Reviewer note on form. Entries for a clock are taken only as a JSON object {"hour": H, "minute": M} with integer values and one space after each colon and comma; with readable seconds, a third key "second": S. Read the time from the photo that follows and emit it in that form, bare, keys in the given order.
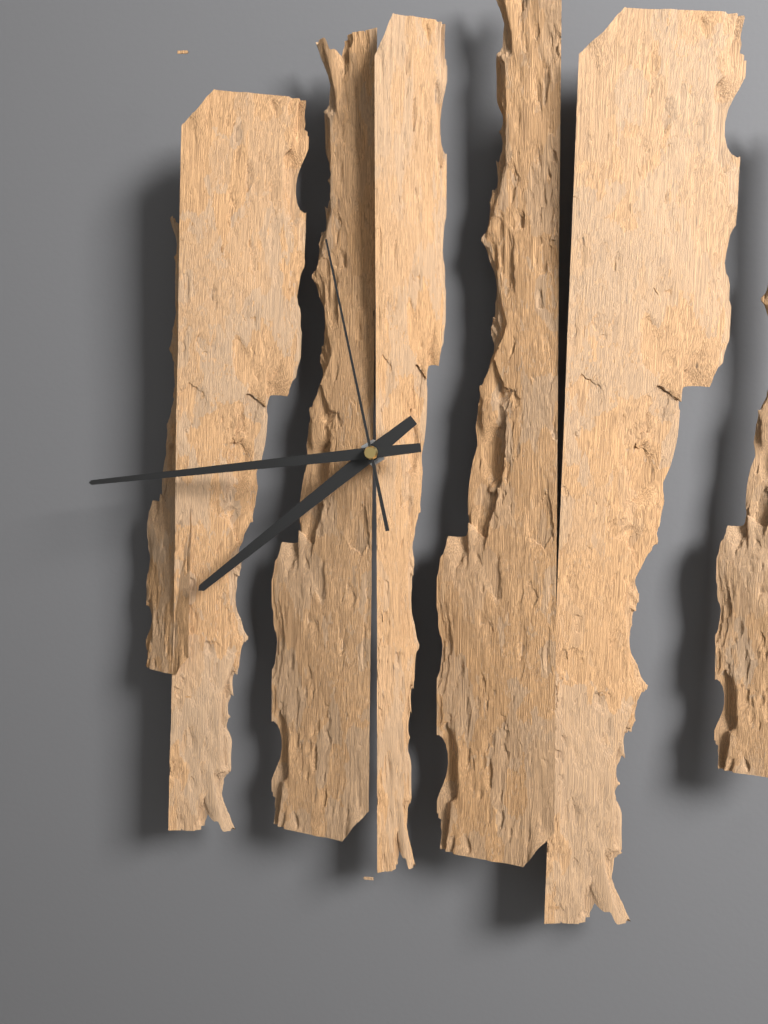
{"hour": 7, "minute": 44, "second": 58}
